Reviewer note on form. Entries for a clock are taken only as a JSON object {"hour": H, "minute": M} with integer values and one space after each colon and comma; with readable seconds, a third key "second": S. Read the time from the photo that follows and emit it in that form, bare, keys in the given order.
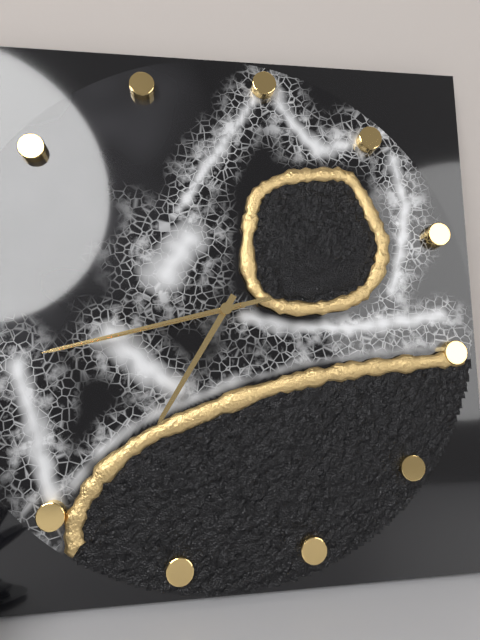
{"hour": 6, "minute": 41, "second": 41}
